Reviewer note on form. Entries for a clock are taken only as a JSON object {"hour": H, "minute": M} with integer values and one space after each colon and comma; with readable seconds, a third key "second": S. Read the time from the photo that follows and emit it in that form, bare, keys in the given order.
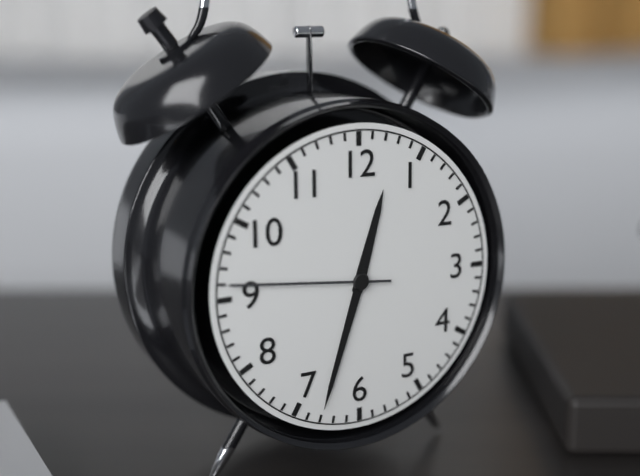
{"hour": 12, "minute": 33, "second": 46}
